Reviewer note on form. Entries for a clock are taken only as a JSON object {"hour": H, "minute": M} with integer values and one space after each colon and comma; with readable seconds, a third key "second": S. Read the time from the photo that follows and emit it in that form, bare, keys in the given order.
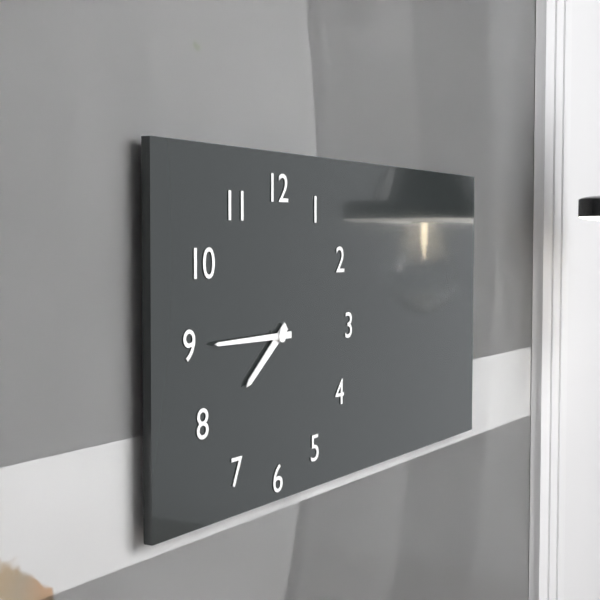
{"hour": 7, "minute": 45}
